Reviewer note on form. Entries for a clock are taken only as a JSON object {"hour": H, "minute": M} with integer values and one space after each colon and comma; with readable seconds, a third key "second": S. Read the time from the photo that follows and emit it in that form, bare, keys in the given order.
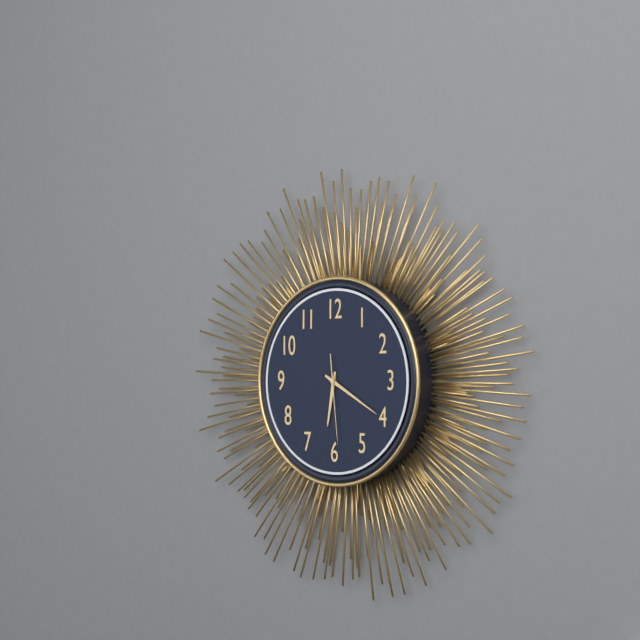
{"hour": 6, "minute": 20, "second": 29}
